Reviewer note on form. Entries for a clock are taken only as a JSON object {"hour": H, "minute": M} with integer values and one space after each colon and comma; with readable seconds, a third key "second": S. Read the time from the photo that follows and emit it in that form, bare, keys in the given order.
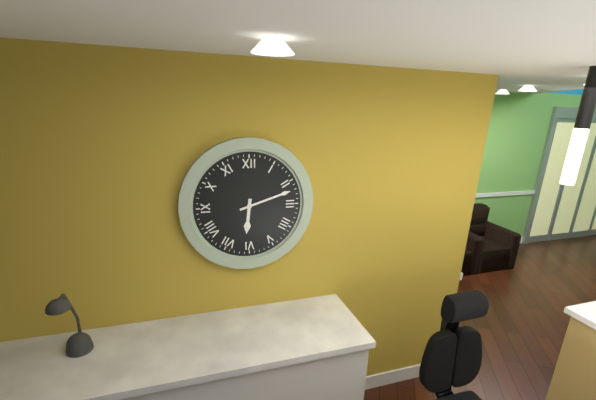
{"hour": 6, "minute": 12}
